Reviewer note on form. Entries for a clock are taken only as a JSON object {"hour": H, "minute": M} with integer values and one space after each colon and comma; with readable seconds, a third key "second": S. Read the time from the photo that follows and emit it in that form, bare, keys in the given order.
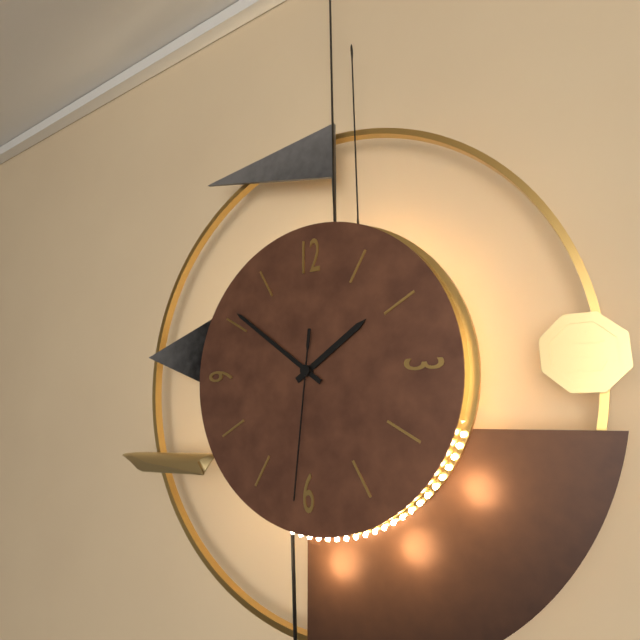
{"hour": 1, "minute": 51, "second": 31}
